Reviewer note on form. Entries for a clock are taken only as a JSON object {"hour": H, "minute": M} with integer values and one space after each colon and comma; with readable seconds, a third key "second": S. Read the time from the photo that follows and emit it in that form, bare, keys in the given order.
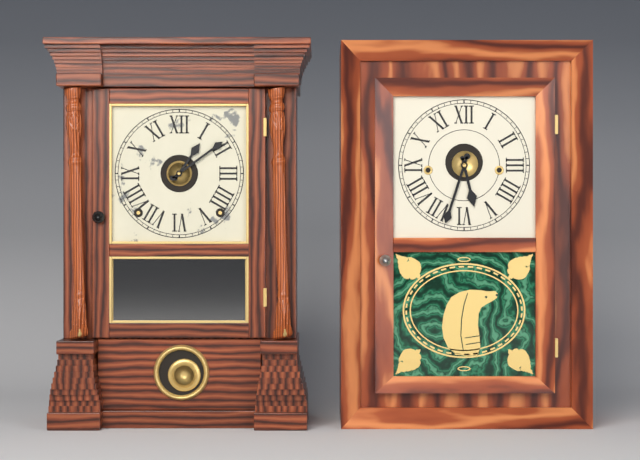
{"hour": 1, "minute": 9}
